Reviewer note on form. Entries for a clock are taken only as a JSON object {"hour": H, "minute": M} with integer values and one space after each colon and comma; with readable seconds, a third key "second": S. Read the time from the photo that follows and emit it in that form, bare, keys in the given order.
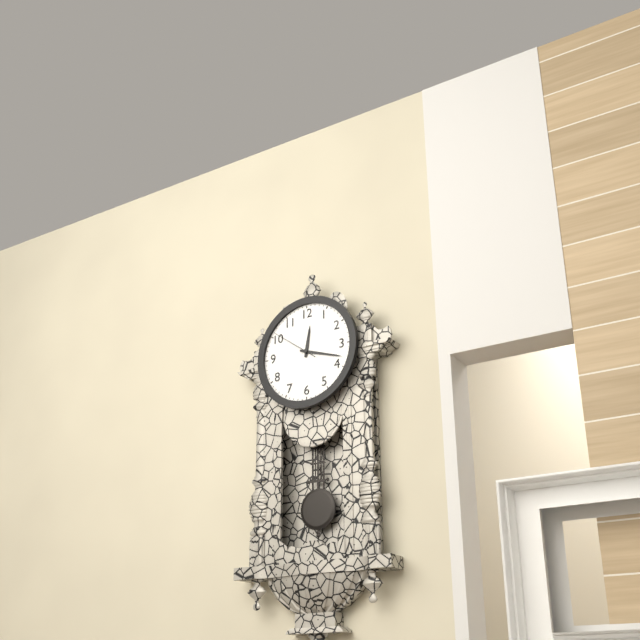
{"hour": 12, "minute": 18}
